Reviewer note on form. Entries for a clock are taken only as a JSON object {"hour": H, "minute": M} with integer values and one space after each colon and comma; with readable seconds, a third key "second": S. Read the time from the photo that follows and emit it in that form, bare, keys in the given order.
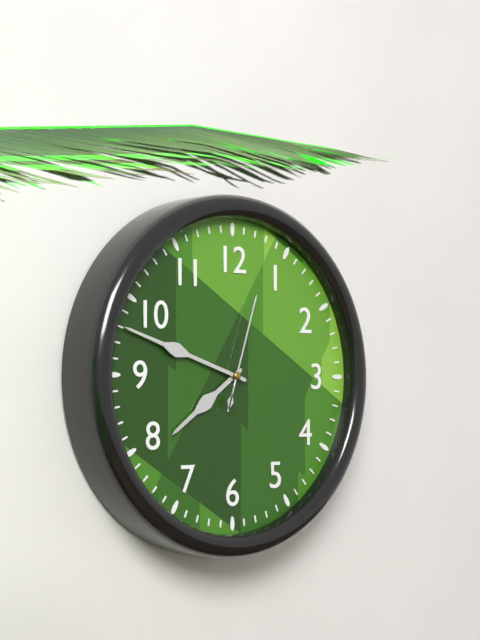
{"hour": 7, "minute": 48, "second": 3}
